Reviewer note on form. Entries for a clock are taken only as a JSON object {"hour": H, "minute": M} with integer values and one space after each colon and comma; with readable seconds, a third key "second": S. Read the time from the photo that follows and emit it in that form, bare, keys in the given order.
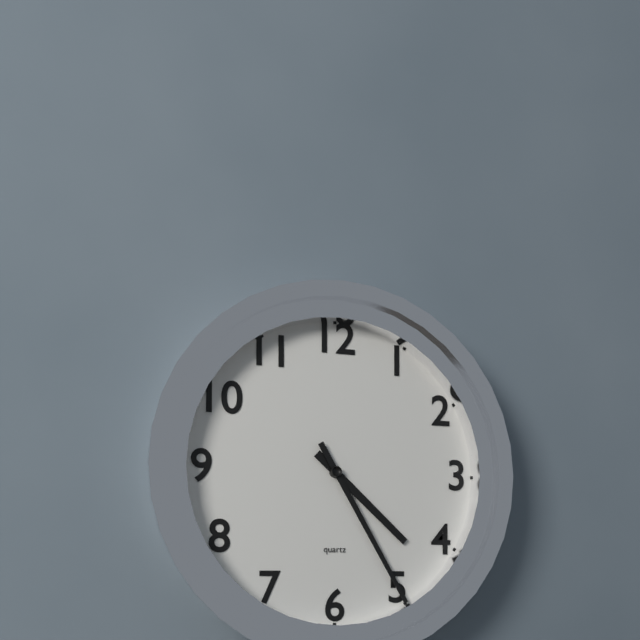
{"hour": 4, "minute": 25}
